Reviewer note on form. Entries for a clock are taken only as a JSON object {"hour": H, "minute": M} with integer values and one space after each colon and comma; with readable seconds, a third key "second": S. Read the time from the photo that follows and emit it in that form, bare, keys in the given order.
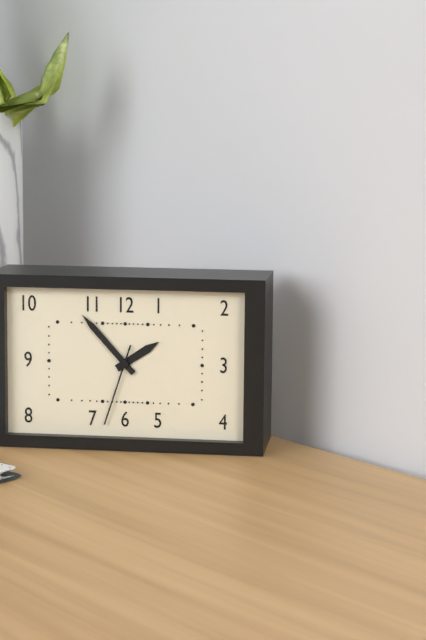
{"hour": 1, "minute": 53, "second": 33}
